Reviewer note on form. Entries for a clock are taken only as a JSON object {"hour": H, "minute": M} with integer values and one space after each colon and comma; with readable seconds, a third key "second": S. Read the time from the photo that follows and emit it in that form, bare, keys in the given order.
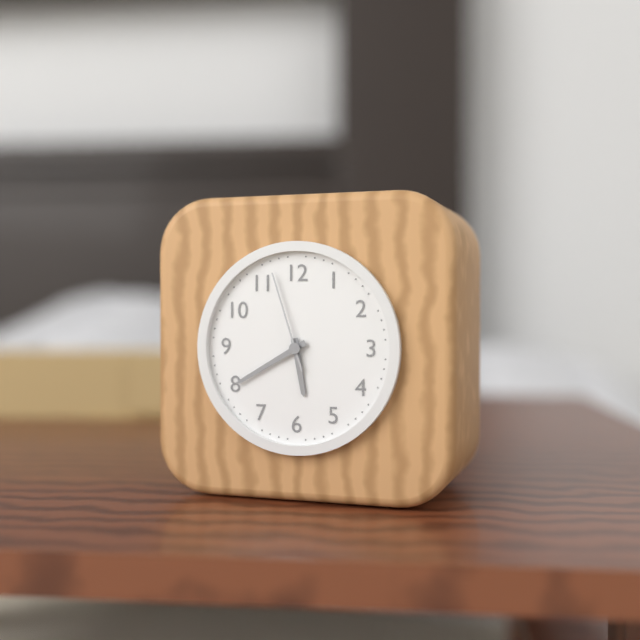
{"hour": 5, "minute": 40, "second": 57}
